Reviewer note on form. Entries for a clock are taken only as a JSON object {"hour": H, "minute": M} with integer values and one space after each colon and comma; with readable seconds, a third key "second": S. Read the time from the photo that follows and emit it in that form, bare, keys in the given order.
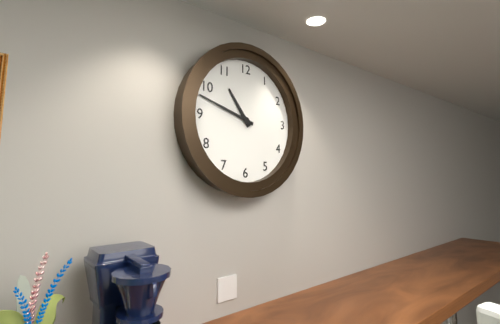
{"hour": 10, "minute": 48}
